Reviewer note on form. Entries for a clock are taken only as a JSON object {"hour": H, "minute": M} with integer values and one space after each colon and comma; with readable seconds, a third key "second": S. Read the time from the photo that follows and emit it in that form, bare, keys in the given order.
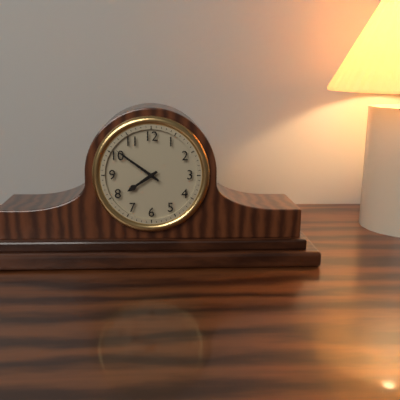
{"hour": 7, "minute": 51}
